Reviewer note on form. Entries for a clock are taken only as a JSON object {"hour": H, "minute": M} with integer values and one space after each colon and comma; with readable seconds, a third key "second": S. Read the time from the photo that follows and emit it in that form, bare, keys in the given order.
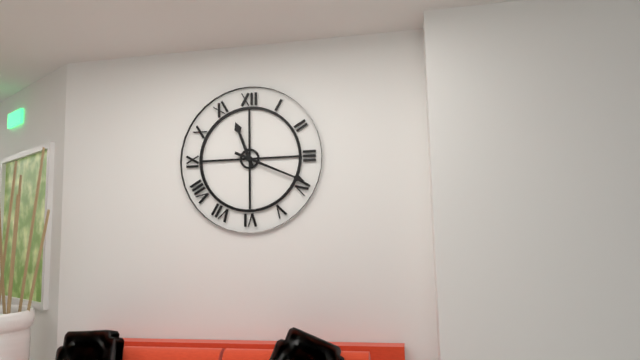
{"hour": 11, "minute": 19}
